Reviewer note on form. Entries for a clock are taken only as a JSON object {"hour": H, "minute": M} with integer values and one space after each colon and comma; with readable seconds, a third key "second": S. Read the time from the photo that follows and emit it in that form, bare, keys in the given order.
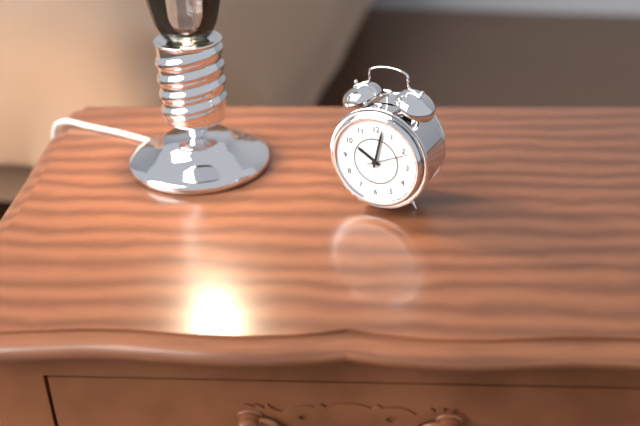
{"hour": 10, "minute": 2}
